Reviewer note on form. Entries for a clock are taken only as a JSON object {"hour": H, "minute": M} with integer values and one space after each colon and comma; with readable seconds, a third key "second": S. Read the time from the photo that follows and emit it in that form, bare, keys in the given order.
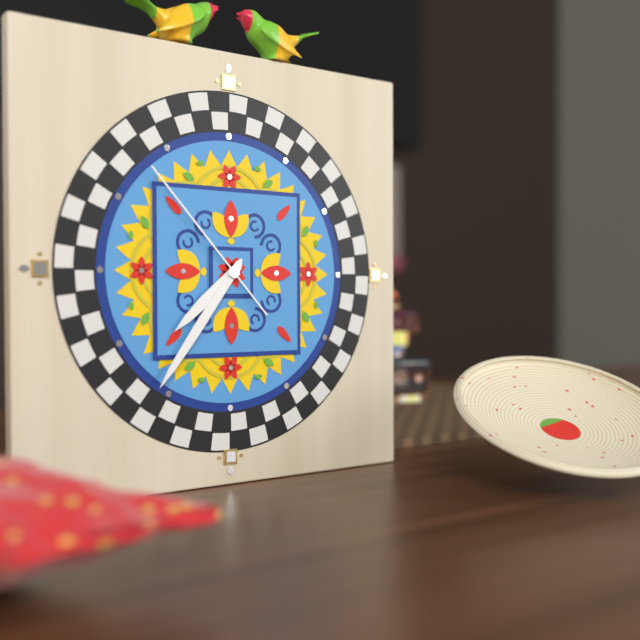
{"hour": 7, "minute": 36, "second": 53}
